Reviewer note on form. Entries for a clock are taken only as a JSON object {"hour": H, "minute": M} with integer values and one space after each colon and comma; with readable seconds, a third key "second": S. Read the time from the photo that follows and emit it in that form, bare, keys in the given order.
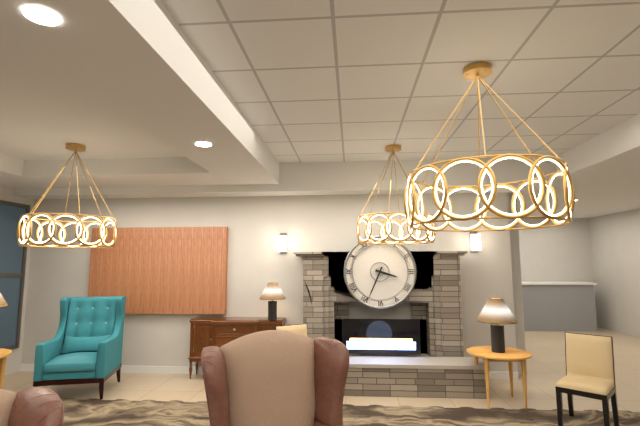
{"hour": 3, "minute": 34}
